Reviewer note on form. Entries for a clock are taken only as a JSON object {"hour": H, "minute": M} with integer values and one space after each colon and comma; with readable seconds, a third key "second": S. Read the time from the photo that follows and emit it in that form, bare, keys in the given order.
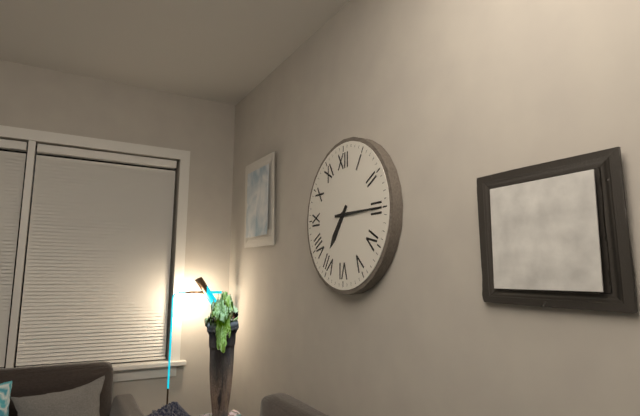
{"hour": 7, "minute": 15}
